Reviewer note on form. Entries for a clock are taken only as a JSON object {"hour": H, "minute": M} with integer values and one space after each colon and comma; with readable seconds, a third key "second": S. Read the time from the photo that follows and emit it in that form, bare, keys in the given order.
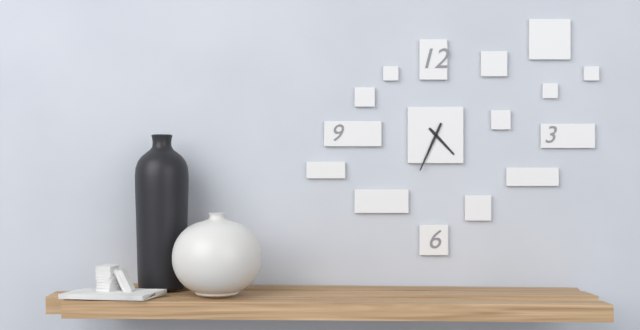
{"hour": 4, "minute": 34}
